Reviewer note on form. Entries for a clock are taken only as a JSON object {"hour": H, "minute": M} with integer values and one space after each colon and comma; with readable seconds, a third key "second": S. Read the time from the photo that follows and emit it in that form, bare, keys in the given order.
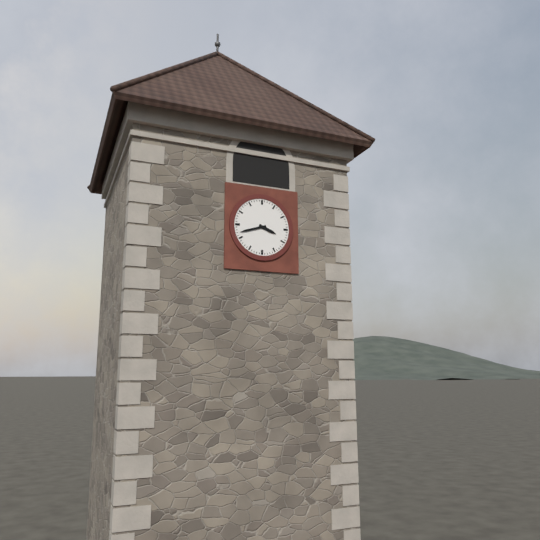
{"hour": 3, "minute": 42}
